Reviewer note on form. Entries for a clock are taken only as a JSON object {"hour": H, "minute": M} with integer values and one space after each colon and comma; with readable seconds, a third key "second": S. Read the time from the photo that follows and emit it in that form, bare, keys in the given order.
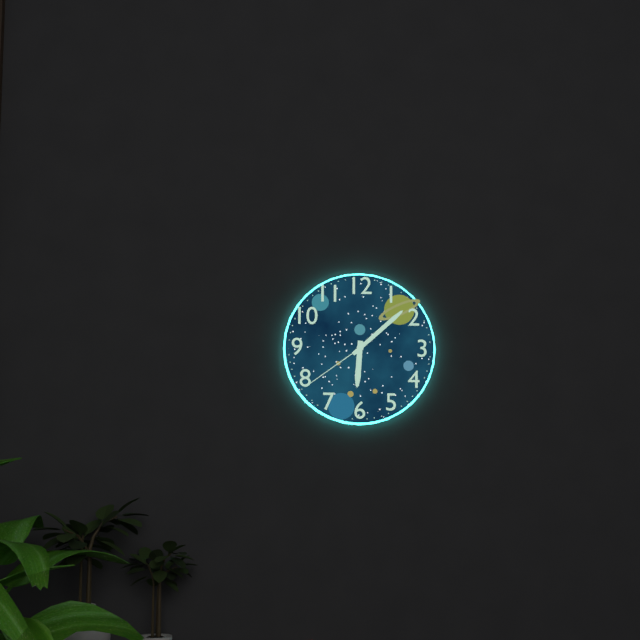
{"hour": 6, "minute": 8, "second": 39}
